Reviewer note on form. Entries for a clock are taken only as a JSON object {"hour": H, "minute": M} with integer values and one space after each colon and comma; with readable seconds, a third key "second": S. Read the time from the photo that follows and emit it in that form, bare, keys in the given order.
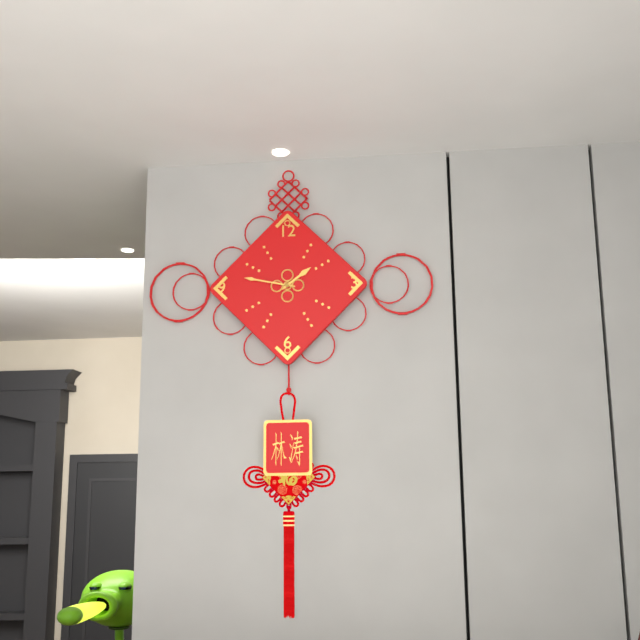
{"hour": 1, "minute": 47}
